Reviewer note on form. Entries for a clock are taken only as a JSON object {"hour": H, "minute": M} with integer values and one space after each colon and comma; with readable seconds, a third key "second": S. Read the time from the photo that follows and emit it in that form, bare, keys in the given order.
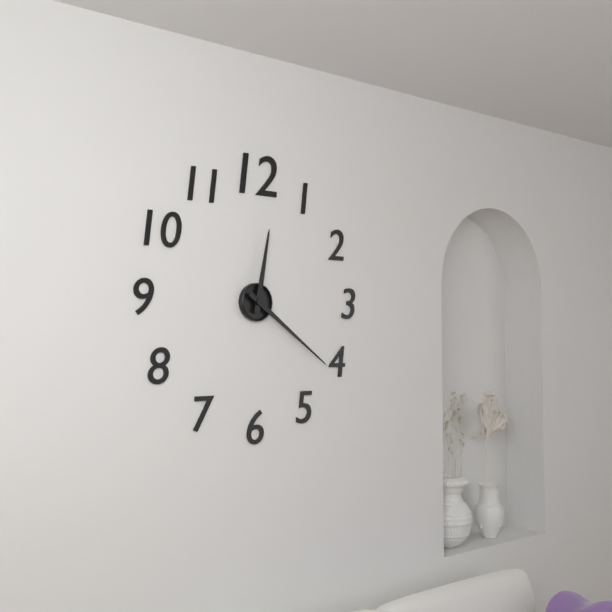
{"hour": 12, "minute": 21}
